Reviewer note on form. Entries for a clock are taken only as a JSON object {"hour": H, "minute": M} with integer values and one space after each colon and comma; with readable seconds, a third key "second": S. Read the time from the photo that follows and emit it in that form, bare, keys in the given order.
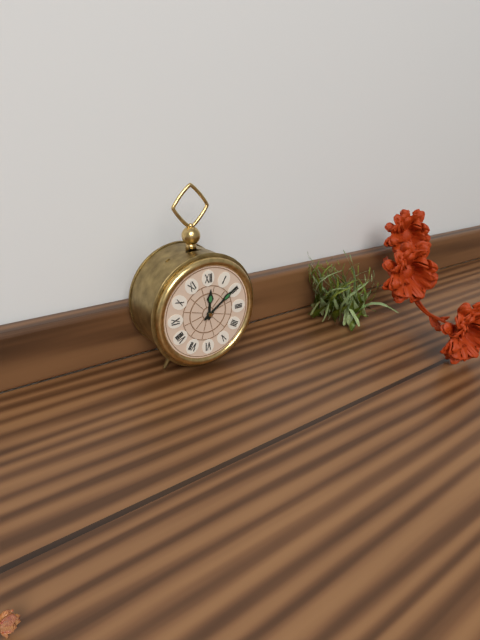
{"hour": 12, "minute": 9}
